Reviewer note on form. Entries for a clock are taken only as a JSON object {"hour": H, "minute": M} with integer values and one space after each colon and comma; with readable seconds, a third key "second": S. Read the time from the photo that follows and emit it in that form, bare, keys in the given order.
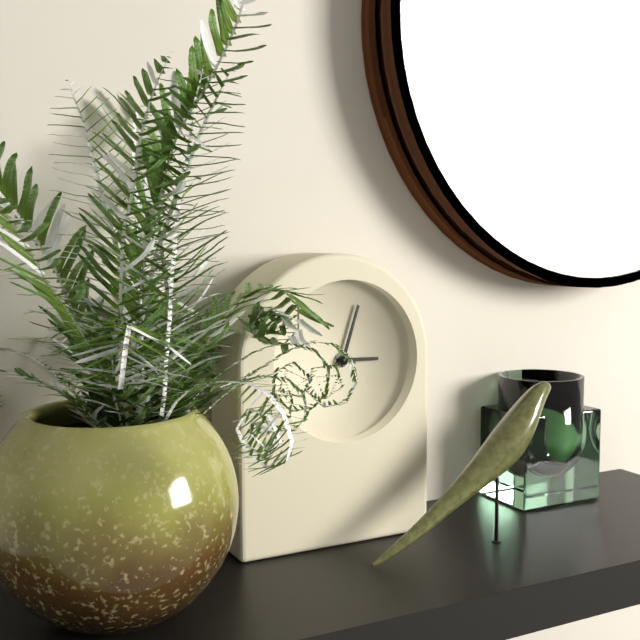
{"hour": 3, "minute": 3}
